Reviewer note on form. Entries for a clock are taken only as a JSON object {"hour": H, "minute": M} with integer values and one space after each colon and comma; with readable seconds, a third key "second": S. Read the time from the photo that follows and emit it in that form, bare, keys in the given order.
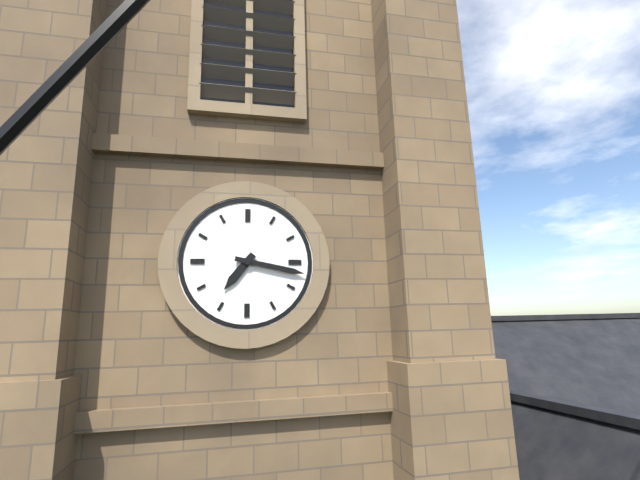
{"hour": 7, "minute": 17}
